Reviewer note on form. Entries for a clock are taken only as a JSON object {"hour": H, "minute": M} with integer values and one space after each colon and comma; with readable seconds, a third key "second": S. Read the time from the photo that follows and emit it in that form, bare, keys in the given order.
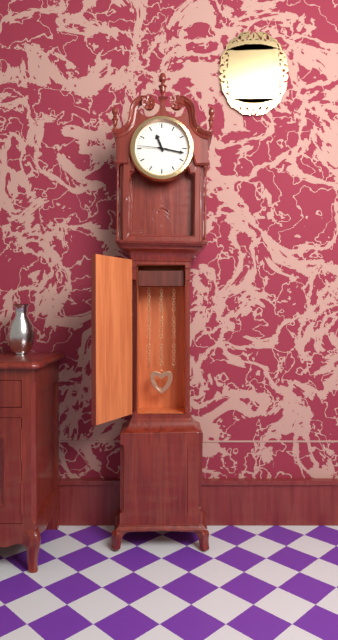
{"hour": 11, "minute": 17}
